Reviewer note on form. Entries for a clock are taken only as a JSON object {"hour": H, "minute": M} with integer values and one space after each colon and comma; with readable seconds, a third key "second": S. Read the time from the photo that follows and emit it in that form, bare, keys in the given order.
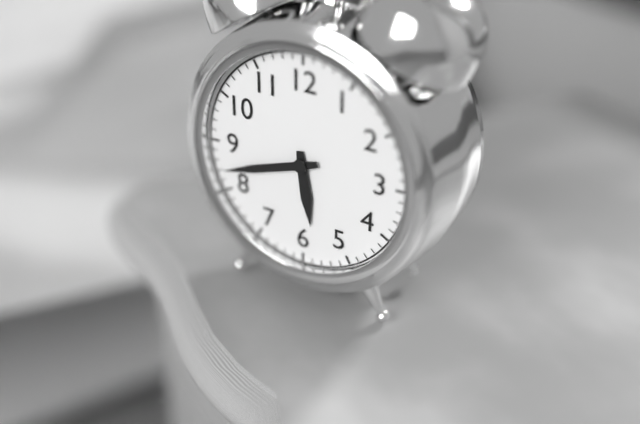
{"hour": 5, "minute": 42}
